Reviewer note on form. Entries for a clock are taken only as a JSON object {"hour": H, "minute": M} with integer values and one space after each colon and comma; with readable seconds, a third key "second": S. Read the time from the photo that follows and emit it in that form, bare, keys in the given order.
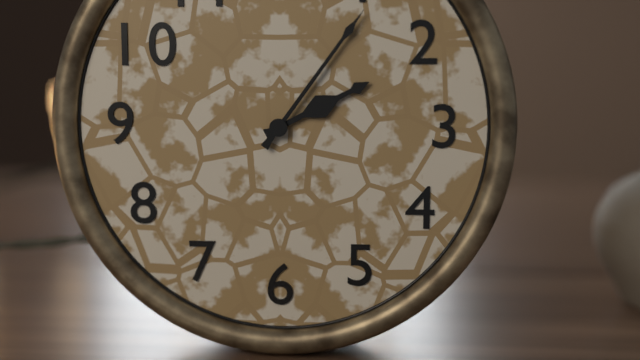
{"hour": 2, "minute": 6}
